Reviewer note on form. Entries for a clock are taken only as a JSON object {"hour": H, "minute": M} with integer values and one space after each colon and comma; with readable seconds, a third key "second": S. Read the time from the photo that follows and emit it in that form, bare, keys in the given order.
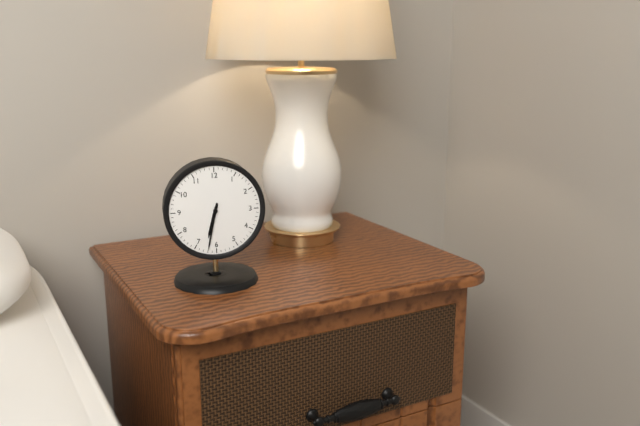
{"hour": 6, "minute": 32}
